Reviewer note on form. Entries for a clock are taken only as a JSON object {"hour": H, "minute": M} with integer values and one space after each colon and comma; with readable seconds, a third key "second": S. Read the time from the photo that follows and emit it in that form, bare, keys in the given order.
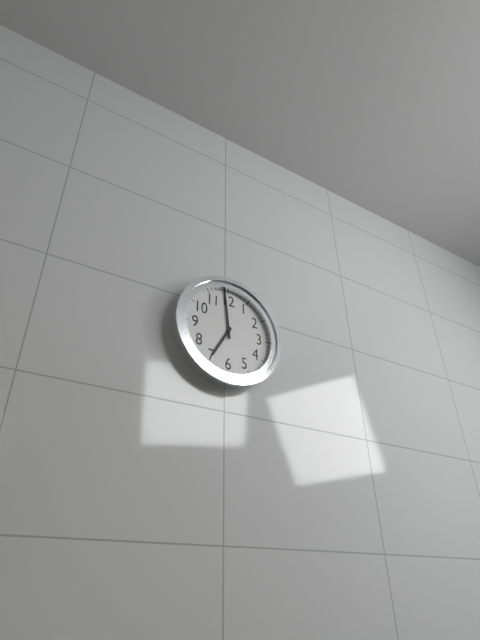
{"hour": 6, "minute": 59}
